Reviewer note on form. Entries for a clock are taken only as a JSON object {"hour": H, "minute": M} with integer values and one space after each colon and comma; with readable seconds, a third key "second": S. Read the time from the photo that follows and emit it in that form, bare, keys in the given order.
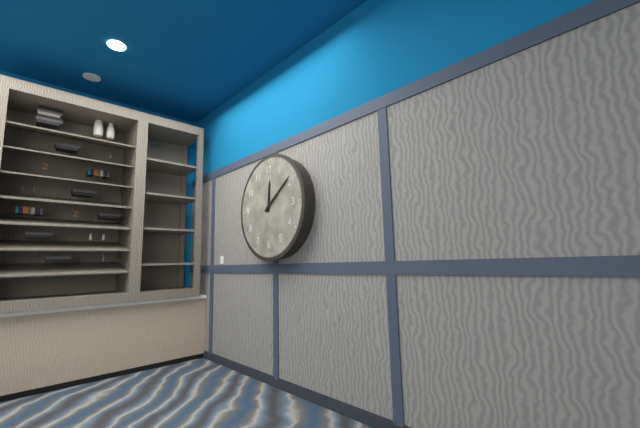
{"hour": 12, "minute": 9}
